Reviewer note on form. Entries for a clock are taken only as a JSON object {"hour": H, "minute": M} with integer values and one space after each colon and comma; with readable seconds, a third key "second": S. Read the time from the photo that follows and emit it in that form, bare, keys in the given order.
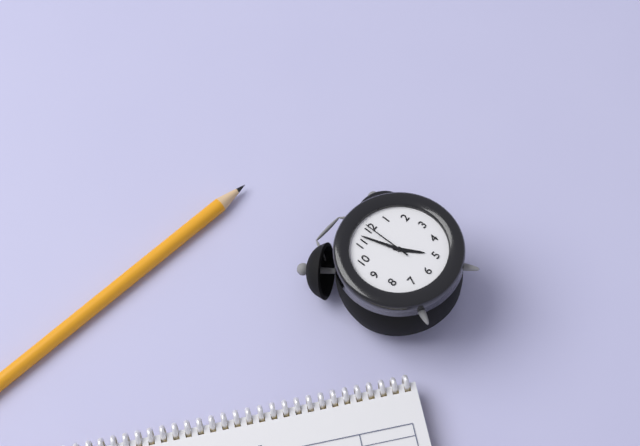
{"hour": 4, "minute": 57, "second": 0}
